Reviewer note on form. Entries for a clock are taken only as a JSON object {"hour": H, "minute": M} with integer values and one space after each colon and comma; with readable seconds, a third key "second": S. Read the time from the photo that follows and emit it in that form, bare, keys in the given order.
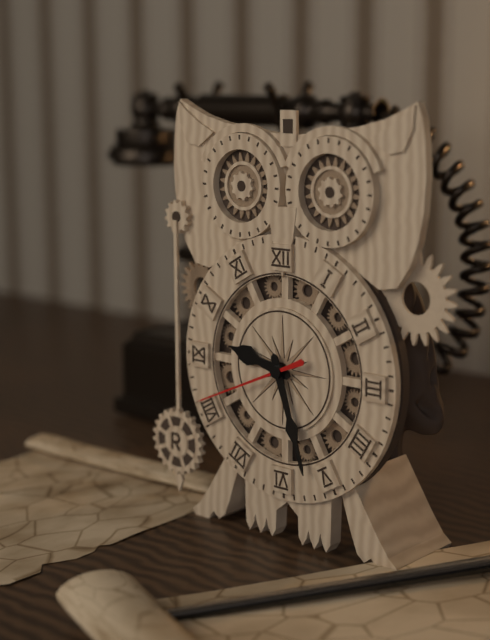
{"hour": 9, "minute": 27, "second": 41}
